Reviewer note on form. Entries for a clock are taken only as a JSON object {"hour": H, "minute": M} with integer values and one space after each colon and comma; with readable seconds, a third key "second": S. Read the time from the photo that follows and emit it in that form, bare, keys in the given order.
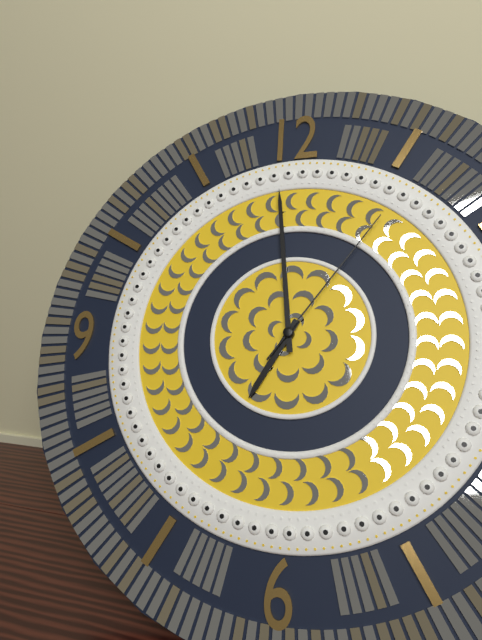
{"hour": 6, "minute": 59, "second": 6}
